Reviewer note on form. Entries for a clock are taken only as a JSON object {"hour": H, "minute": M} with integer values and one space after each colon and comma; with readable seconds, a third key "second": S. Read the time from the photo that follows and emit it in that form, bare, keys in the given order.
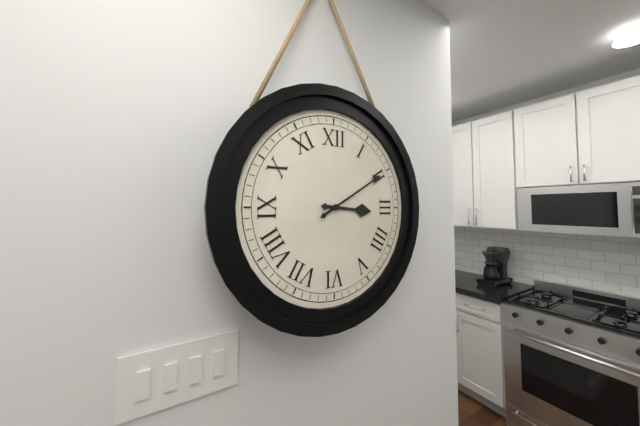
{"hour": 3, "minute": 10}
